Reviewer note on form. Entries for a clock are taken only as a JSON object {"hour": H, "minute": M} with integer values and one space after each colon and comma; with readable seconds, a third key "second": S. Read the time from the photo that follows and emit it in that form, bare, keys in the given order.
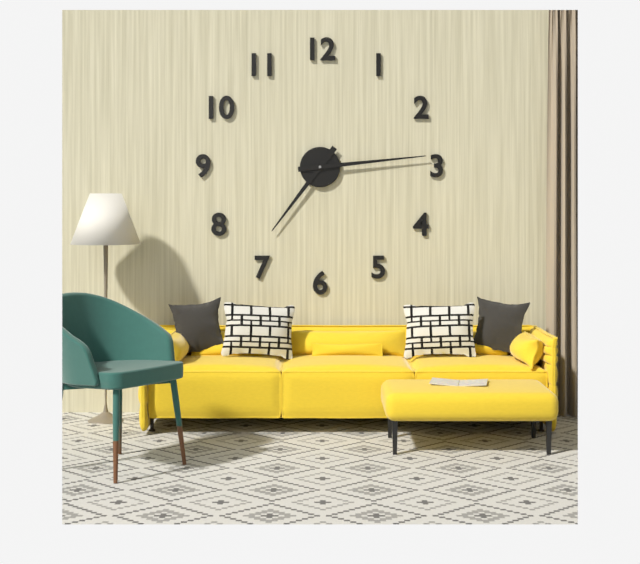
{"hour": 7, "minute": 14}
